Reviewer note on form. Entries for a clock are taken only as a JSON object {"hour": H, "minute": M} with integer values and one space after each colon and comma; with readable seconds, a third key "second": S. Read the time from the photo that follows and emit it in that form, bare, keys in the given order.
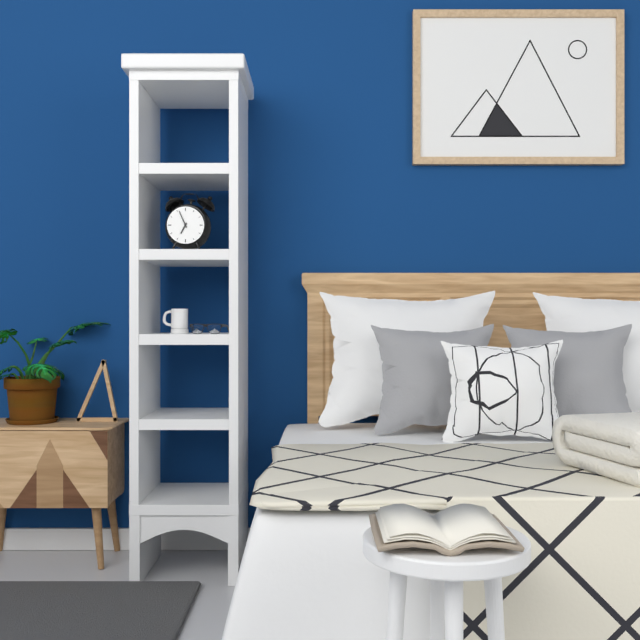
{"hour": 6, "minute": 56}
